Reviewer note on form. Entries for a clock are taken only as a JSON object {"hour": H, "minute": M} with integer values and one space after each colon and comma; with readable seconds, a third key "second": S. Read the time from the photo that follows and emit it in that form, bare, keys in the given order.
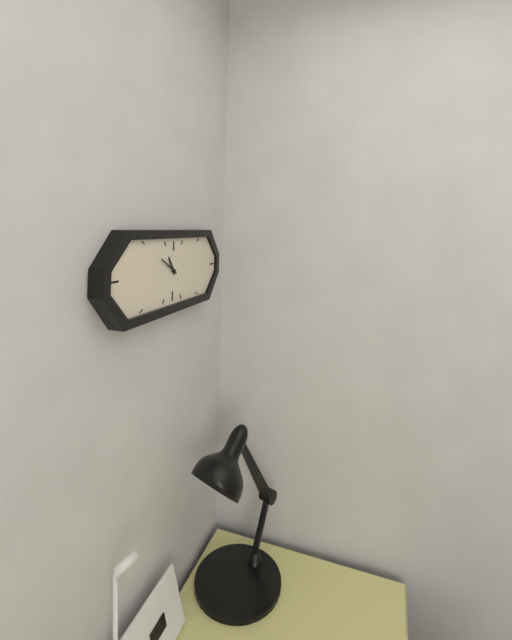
{"hour": 10, "minute": 50}
